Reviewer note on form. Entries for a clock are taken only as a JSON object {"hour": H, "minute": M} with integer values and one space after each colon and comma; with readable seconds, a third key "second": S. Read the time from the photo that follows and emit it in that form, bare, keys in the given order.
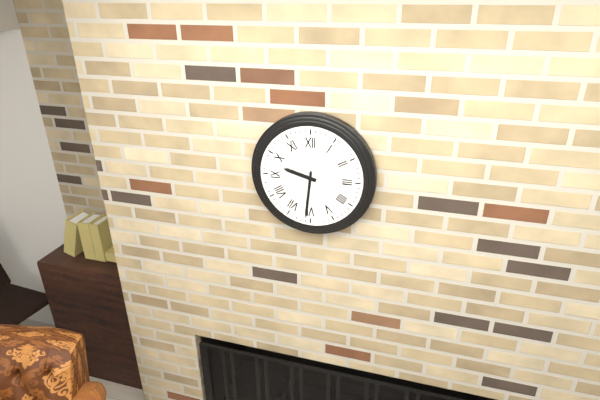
{"hour": 9, "minute": 31}
